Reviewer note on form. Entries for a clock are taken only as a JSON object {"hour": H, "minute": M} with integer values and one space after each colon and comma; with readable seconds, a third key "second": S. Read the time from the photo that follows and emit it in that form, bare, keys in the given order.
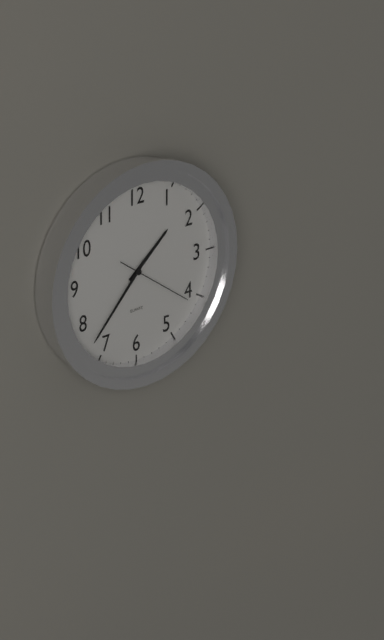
{"hour": 1, "minute": 37, "second": 21}
